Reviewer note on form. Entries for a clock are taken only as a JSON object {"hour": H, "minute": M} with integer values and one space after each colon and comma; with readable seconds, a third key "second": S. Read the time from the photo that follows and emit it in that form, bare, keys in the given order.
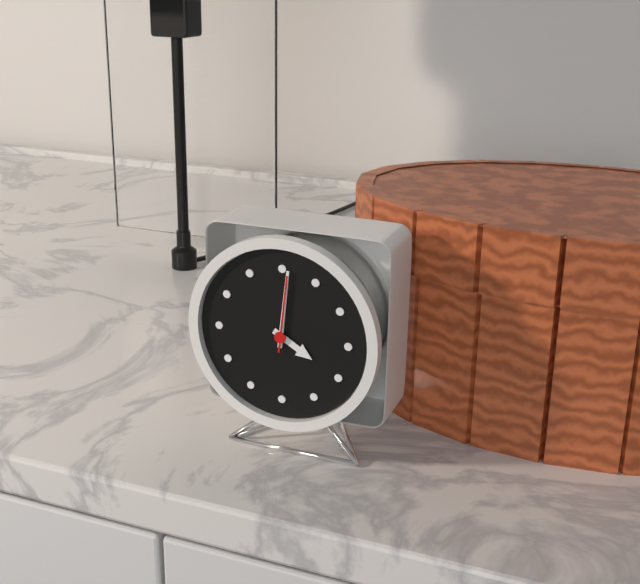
{"hour": 4, "minute": 1, "second": 1}
